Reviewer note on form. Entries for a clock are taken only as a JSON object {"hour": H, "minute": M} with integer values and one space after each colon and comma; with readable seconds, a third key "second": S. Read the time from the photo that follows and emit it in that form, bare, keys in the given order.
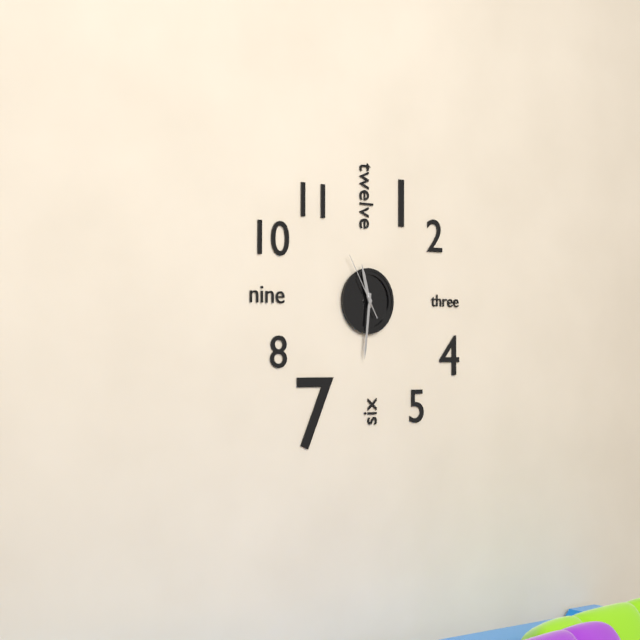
{"hour": 11, "minute": 31, "second": 55}
